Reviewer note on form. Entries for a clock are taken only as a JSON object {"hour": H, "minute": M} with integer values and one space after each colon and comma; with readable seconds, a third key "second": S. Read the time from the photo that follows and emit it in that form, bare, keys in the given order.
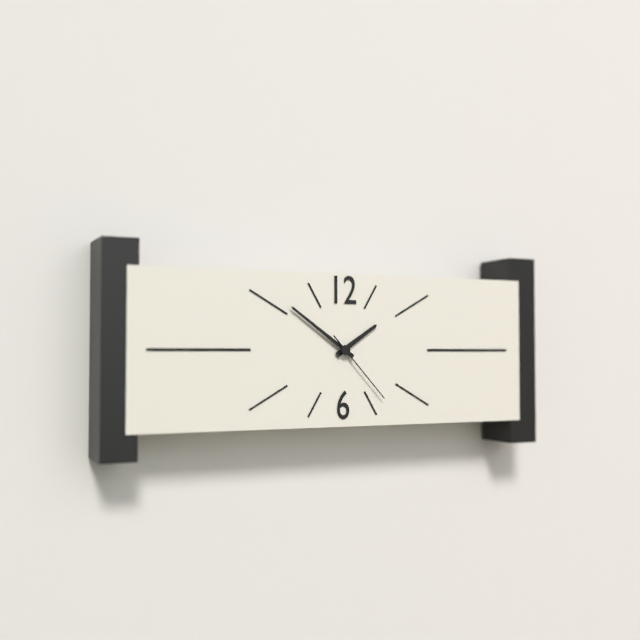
{"hour": 1, "minute": 51, "second": 23}
